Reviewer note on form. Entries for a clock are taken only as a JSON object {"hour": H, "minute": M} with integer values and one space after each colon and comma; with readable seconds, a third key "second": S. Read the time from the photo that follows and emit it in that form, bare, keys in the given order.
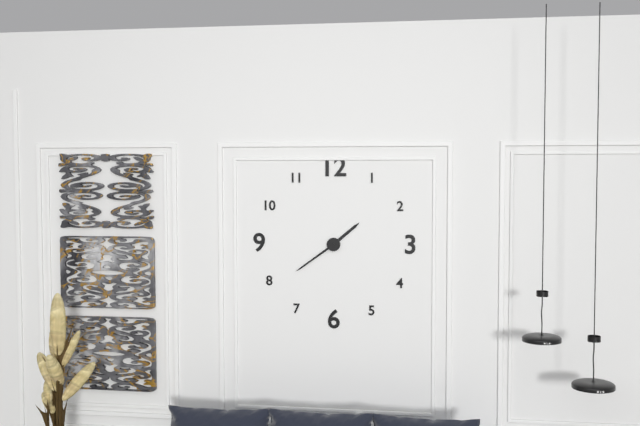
{"hour": 1, "minute": 39}
